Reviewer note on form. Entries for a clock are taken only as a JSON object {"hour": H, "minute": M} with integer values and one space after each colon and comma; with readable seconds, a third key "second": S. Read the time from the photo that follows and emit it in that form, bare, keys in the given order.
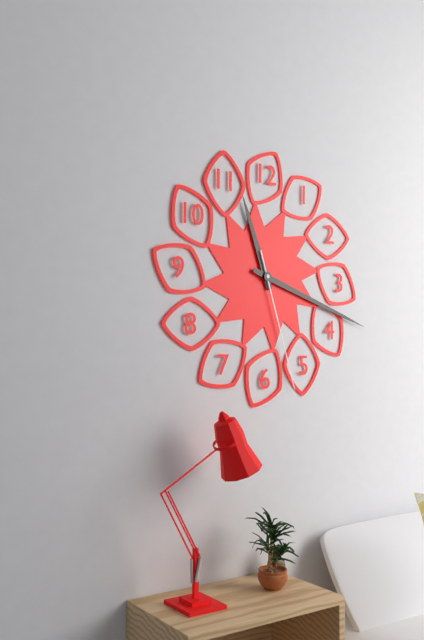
{"hour": 11, "minute": 18, "second": 27}
